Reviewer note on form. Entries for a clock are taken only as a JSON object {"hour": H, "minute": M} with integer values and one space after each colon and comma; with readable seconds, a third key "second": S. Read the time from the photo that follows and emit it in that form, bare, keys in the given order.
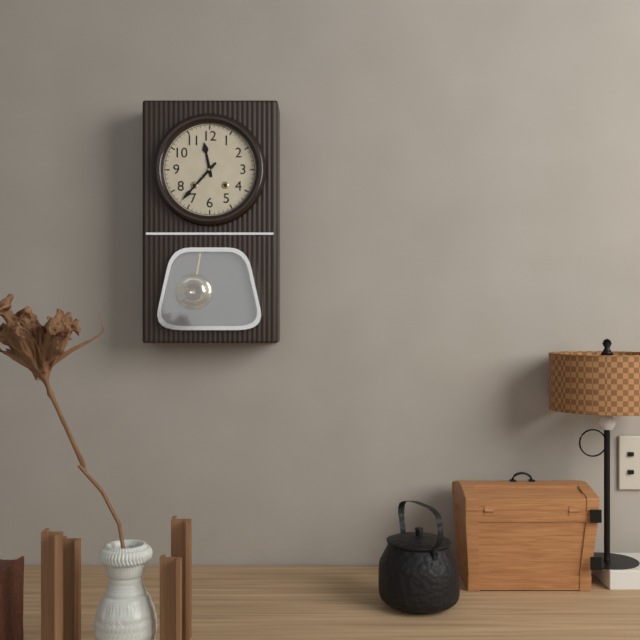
{"hour": 11, "minute": 37}
